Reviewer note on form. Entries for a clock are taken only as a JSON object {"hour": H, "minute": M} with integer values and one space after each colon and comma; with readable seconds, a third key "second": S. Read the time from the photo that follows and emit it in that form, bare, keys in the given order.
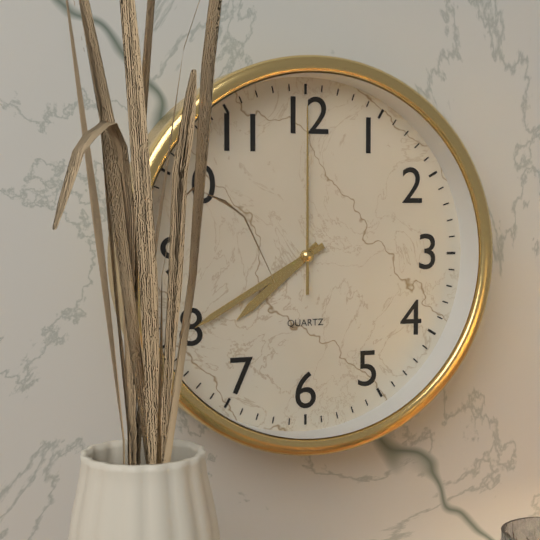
{"hour": 7, "minute": 40, "second": 0}
